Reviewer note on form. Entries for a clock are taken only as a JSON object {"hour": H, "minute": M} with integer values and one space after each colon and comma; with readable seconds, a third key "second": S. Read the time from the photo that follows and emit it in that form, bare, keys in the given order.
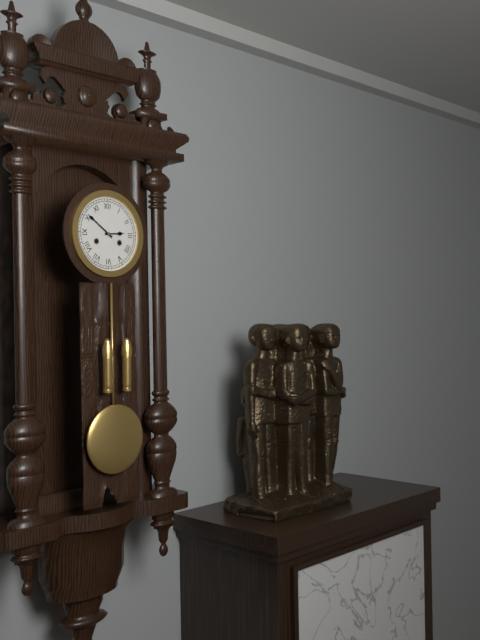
{"hour": 2, "minute": 51}
